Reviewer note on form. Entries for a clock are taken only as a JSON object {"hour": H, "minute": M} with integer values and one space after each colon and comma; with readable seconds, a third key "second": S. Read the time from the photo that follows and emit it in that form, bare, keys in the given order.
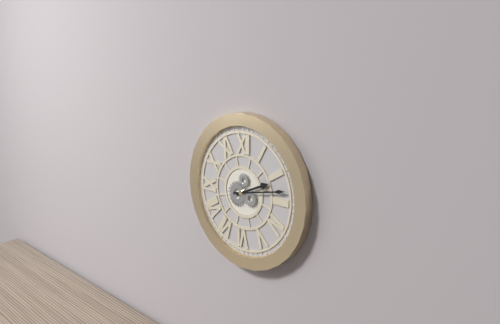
{"hour": 2, "minute": 13}
